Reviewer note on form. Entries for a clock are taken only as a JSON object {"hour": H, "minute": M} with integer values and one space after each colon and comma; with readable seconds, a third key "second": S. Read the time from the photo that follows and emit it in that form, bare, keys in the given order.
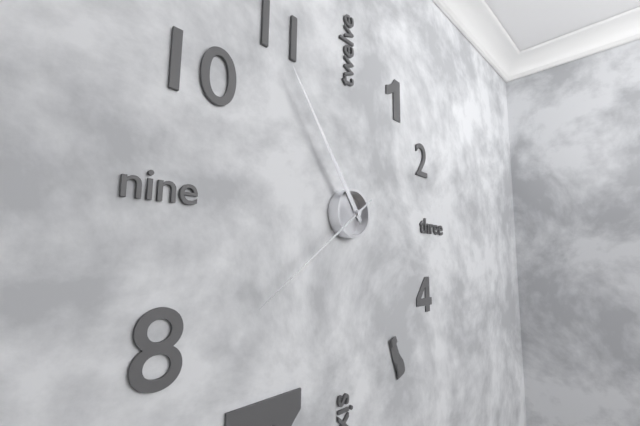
{"hour": 10, "minute": 54, "second": 39}
